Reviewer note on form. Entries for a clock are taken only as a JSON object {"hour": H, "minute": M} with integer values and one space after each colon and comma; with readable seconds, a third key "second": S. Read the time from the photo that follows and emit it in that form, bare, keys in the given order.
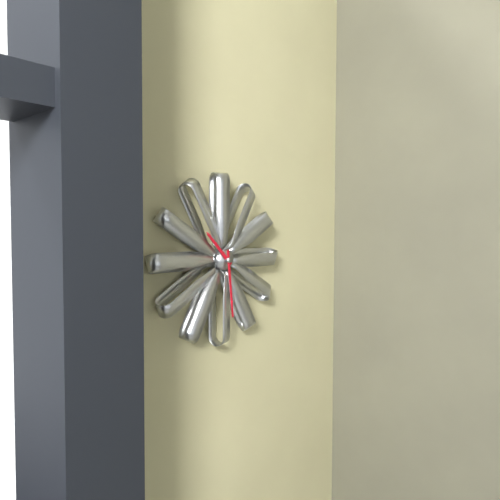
{"hour": 10, "minute": 29}
